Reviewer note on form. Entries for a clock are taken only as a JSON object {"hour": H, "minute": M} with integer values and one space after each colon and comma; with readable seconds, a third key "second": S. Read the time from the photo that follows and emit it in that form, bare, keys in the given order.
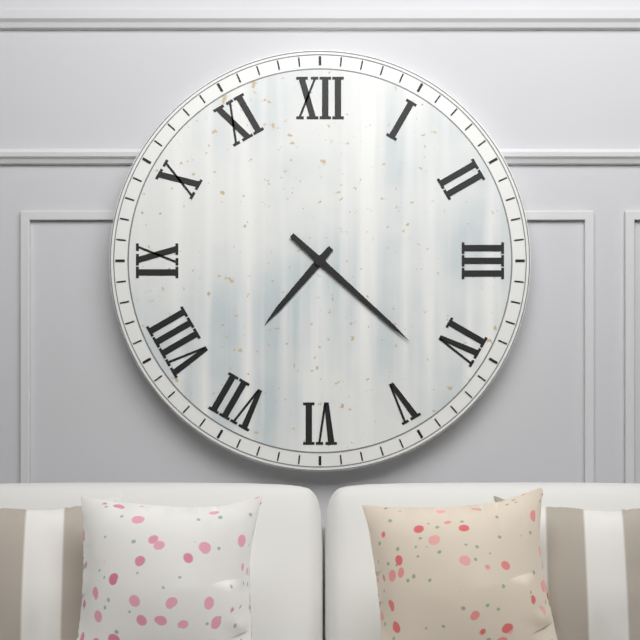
{"hour": 7, "minute": 22}
